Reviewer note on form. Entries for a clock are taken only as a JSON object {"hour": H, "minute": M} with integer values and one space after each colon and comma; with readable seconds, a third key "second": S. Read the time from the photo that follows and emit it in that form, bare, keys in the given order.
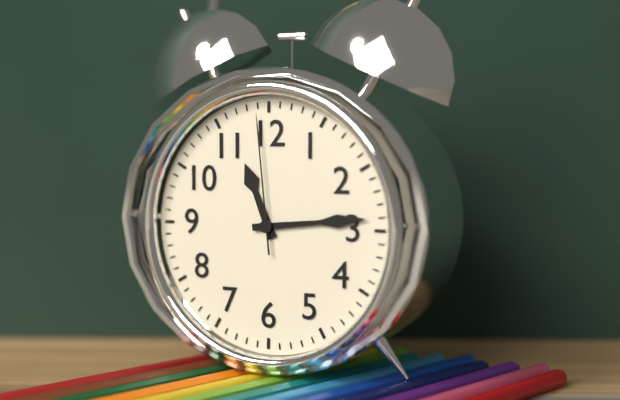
{"hour": 11, "minute": 14, "second": 59}
